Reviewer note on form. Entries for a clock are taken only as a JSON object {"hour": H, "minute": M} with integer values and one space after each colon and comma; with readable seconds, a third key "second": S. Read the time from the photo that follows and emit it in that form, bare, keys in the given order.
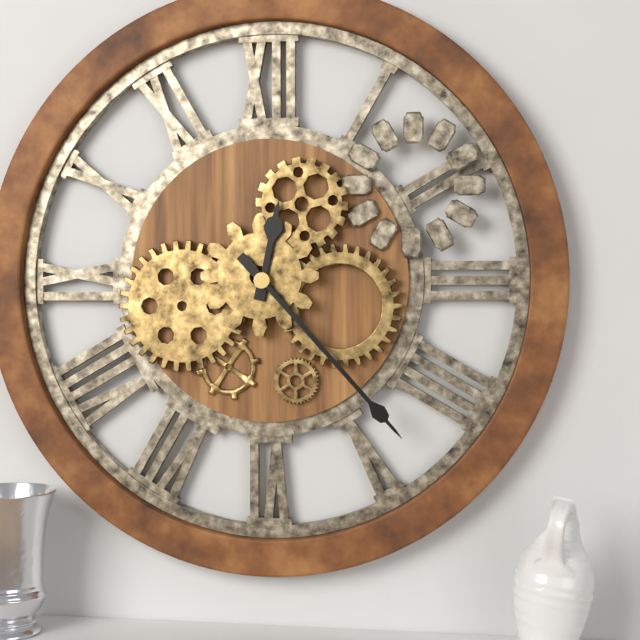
{"hour": 12, "minute": 23}
